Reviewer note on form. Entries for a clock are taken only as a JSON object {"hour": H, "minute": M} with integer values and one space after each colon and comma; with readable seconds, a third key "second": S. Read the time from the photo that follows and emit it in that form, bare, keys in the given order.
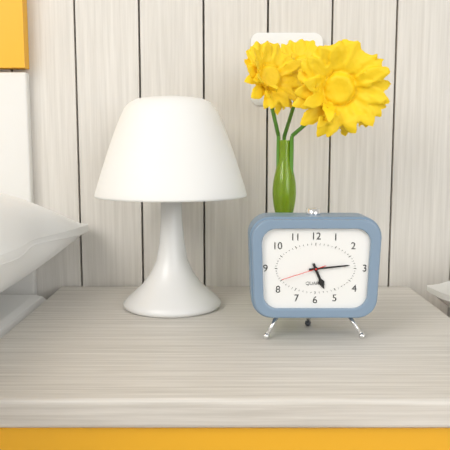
{"hour": 5, "minute": 14}
